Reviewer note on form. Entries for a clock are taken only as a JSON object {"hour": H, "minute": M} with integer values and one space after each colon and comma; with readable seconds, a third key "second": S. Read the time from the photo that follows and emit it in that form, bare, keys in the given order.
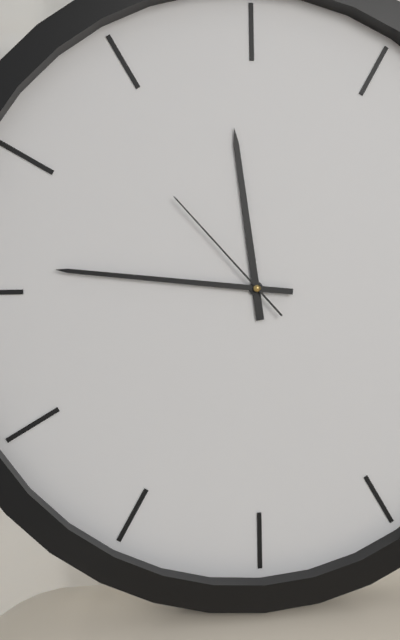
{"hour": 11, "minute": 46, "second": 53}
